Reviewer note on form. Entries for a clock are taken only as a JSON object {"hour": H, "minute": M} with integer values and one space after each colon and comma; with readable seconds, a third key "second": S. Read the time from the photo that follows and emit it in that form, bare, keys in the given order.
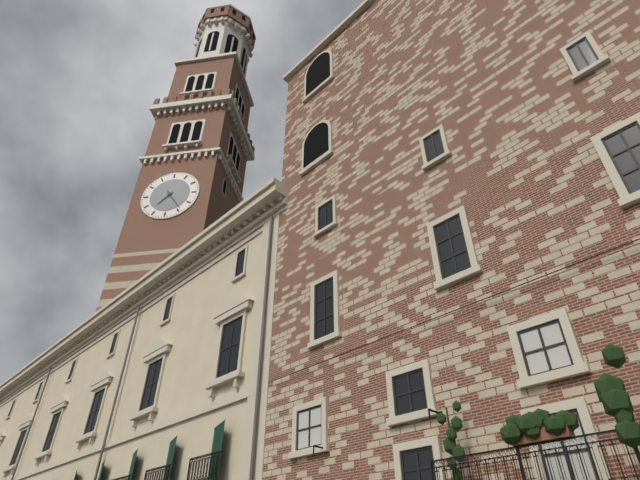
{"hour": 7, "minute": 24}
